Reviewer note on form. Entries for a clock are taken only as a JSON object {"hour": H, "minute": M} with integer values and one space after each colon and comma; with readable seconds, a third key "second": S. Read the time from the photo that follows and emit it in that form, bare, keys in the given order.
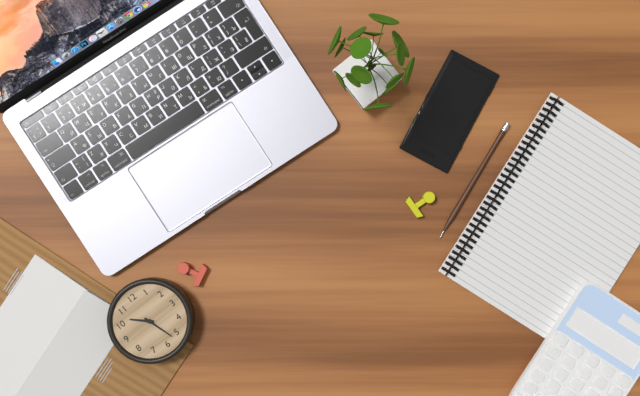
{"hour": 10, "minute": 27}
